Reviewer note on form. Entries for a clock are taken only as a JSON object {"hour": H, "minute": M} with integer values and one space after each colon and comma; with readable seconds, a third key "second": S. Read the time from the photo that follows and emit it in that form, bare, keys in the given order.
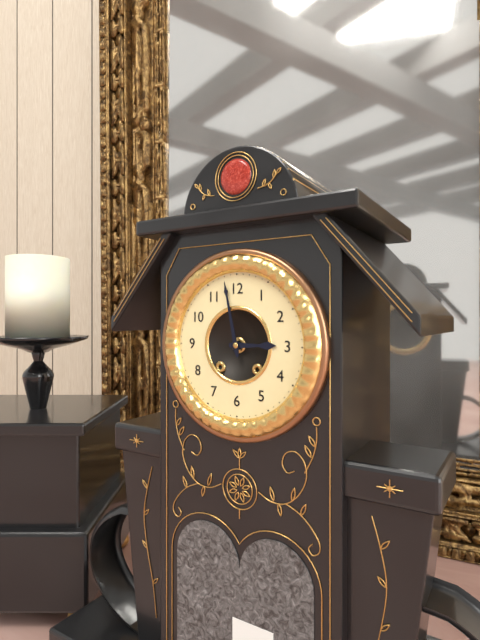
{"hour": 2, "minute": 58}
